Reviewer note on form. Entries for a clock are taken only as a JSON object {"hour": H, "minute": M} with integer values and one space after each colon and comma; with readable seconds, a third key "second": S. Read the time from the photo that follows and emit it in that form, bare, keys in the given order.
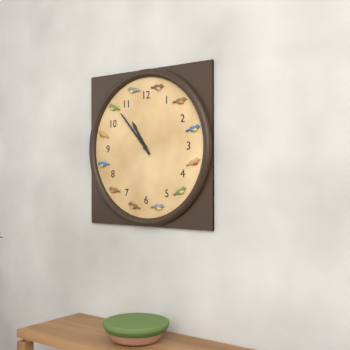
{"hour": 10, "minute": 53}
